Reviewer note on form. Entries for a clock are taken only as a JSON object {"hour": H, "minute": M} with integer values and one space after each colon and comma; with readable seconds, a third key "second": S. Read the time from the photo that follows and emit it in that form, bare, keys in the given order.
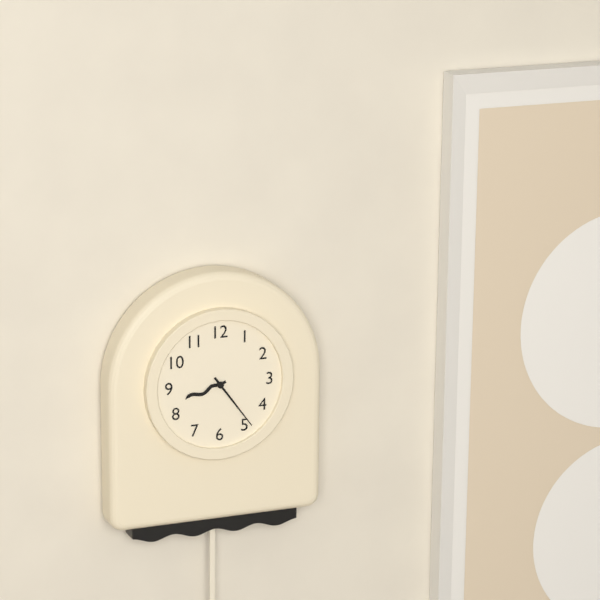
{"hour": 8, "minute": 24}
